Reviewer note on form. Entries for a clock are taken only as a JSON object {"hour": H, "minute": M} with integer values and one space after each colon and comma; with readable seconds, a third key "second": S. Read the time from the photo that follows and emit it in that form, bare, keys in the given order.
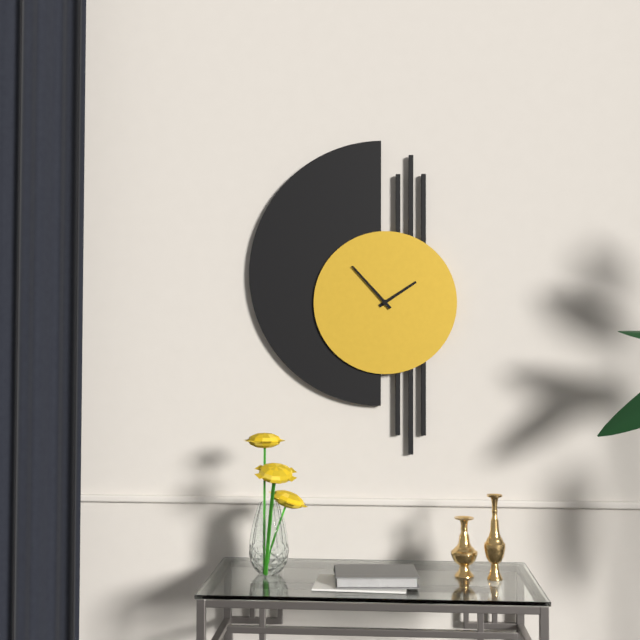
{"hour": 1, "minute": 53}
